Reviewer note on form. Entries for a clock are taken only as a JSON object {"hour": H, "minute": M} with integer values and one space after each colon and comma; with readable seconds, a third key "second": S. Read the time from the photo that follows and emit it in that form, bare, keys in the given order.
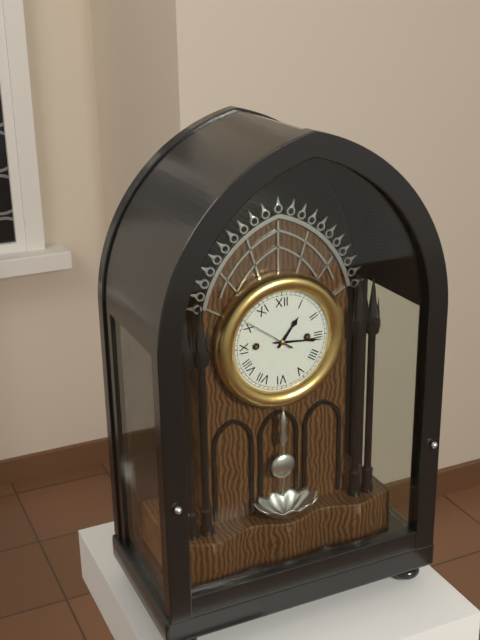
{"hour": 1, "minute": 16, "second": 51}
